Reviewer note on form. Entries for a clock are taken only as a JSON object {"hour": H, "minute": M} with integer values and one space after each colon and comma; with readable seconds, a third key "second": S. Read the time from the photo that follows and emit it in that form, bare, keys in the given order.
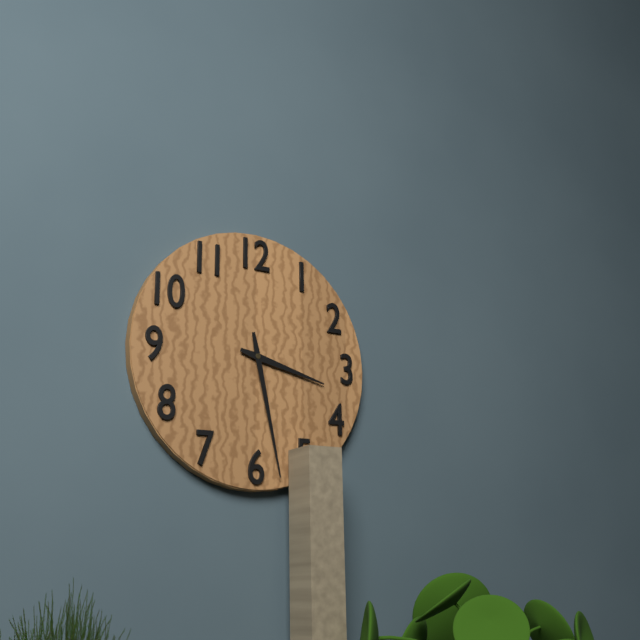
{"hour": 3, "minute": 28}
